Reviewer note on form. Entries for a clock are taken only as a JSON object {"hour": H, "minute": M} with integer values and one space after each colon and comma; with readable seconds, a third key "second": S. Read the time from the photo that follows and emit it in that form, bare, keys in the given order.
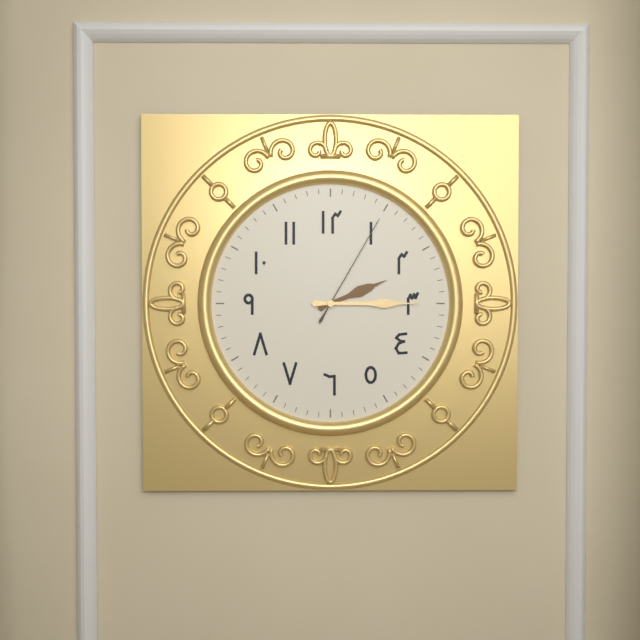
{"hour": 2, "minute": 15, "second": 5}
